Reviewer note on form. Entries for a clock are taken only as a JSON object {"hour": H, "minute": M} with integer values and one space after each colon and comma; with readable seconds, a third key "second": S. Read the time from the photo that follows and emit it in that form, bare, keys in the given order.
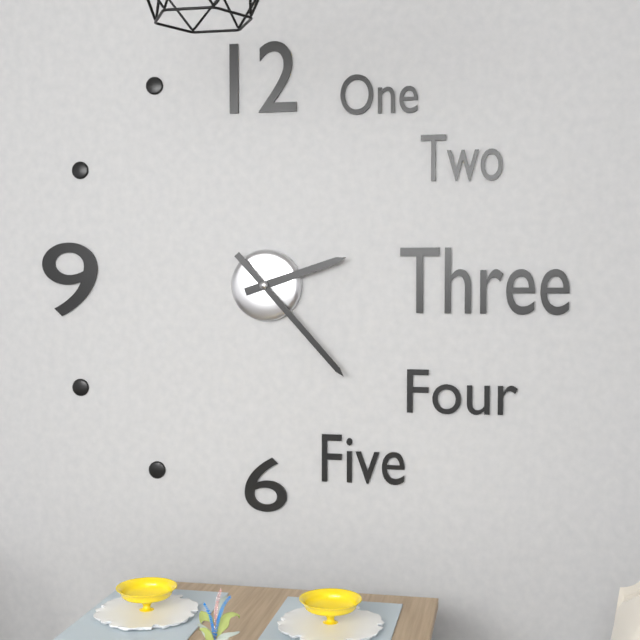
{"hour": 2, "minute": 23}
